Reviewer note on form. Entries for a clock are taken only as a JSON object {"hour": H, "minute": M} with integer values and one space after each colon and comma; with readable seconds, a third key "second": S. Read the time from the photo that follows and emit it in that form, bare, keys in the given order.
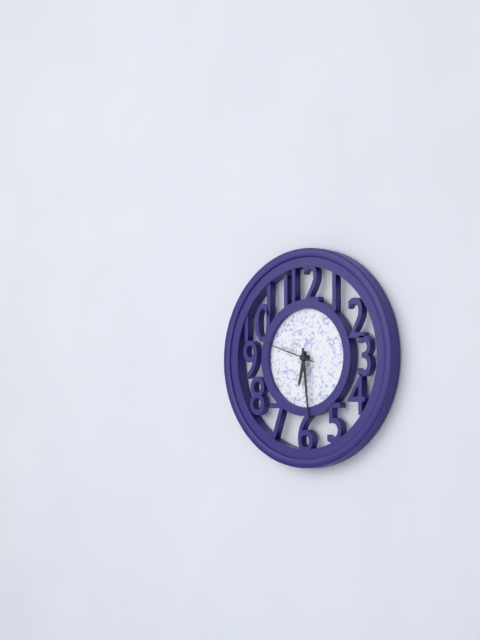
{"hour": 6, "minute": 29, "second": 48}
